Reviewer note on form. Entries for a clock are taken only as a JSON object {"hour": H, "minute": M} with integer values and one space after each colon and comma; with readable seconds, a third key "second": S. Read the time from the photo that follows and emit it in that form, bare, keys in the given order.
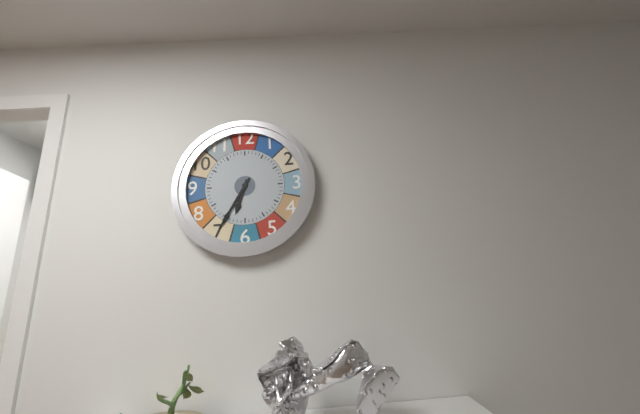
{"hour": 6, "minute": 35}
